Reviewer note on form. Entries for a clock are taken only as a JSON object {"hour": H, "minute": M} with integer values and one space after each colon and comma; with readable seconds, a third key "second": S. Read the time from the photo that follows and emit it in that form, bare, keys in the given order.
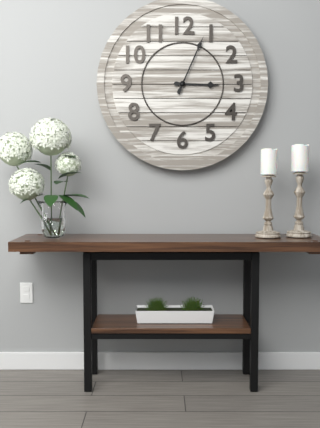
{"hour": 3, "minute": 4}
